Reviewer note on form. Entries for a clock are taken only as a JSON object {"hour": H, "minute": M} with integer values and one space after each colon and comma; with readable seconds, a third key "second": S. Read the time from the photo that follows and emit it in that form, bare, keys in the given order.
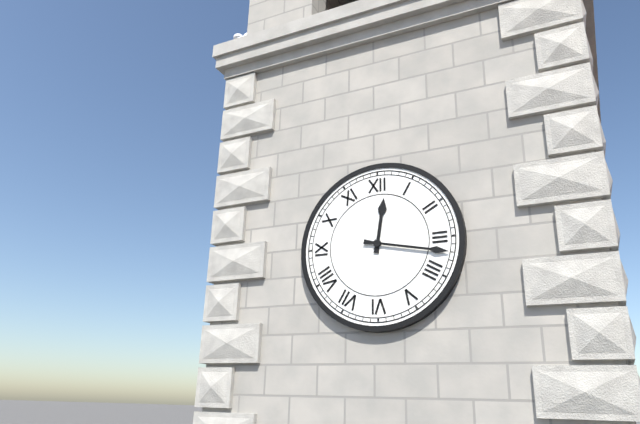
{"hour": 12, "minute": 17}
